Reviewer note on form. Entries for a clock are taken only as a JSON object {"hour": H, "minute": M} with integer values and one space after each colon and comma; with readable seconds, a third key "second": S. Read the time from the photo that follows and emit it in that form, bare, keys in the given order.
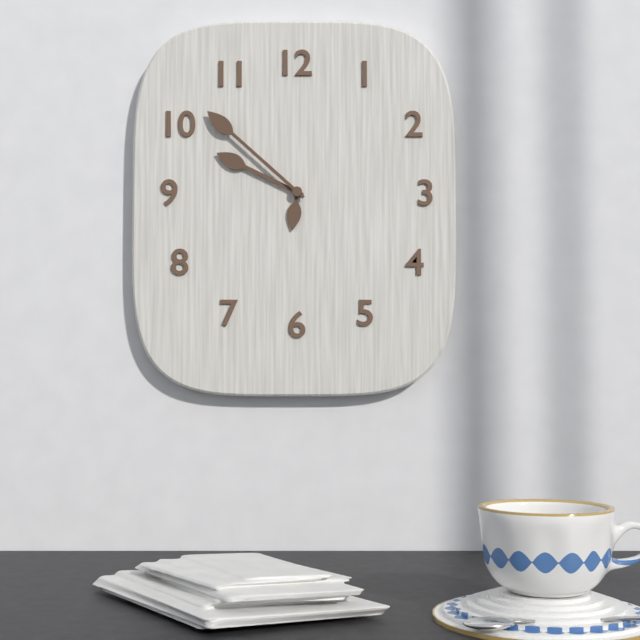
{"hour": 9, "minute": 52}
